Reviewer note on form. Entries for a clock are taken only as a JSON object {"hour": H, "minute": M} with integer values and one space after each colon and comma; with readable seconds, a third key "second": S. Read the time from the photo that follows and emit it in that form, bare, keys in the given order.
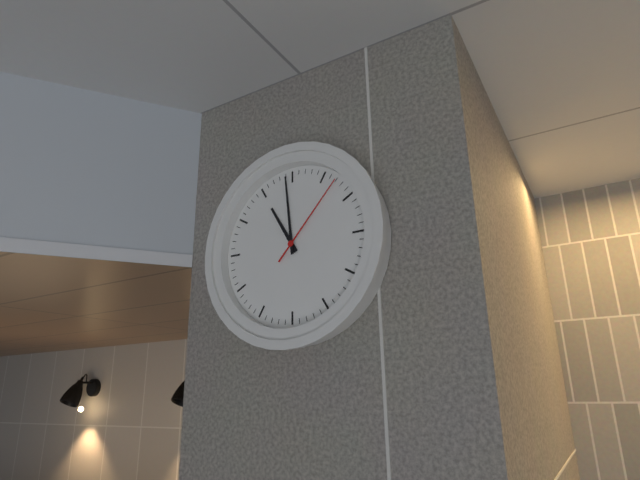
{"hour": 10, "minute": 59, "second": 7}
